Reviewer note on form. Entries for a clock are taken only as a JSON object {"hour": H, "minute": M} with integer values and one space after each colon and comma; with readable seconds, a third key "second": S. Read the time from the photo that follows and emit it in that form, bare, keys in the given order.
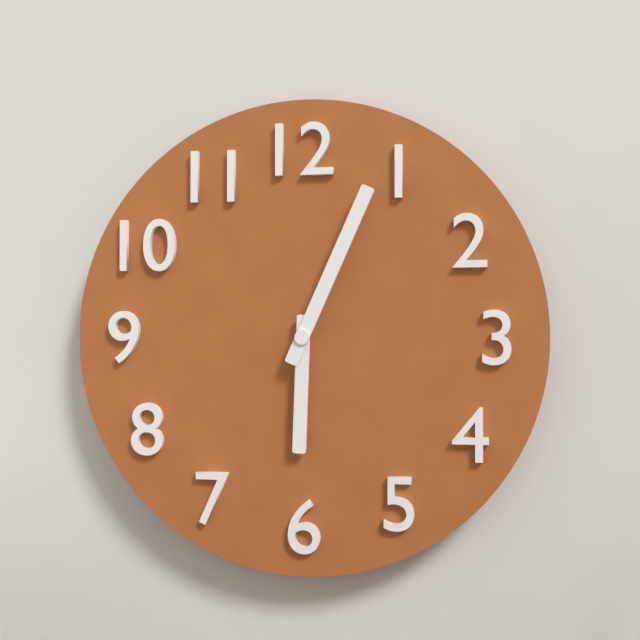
{"hour": 6, "minute": 4}
